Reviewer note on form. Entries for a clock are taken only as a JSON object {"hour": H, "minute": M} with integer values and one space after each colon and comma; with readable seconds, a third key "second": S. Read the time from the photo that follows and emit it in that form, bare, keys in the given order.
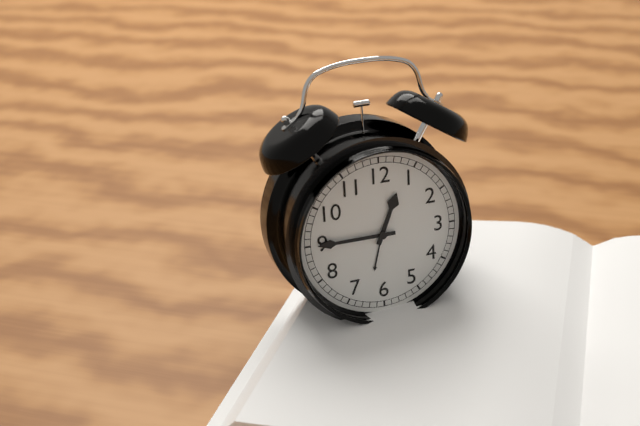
{"hour": 12, "minute": 45}
